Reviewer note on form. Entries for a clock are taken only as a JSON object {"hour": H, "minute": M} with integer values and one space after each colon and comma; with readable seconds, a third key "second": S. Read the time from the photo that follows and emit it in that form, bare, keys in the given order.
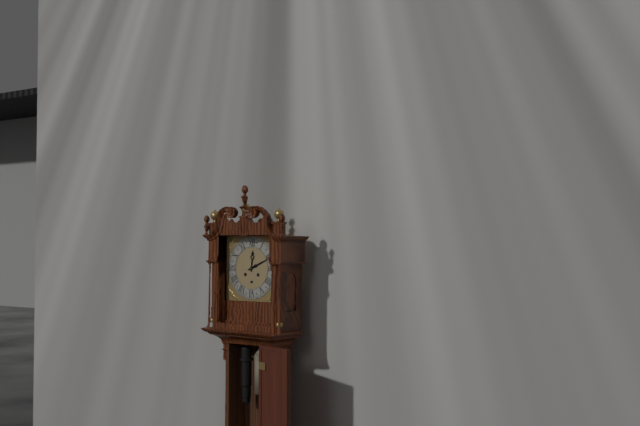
{"hour": 12, "minute": 11}
